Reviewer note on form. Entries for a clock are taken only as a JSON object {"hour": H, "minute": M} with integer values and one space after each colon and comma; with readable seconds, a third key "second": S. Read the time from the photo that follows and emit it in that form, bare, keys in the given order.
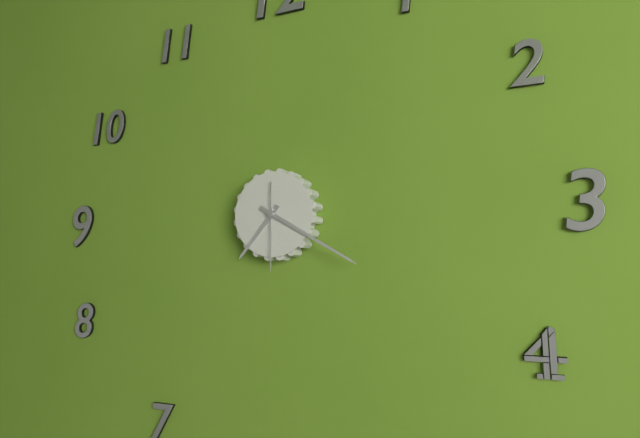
{"hour": 7, "minute": 20, "second": 30}
